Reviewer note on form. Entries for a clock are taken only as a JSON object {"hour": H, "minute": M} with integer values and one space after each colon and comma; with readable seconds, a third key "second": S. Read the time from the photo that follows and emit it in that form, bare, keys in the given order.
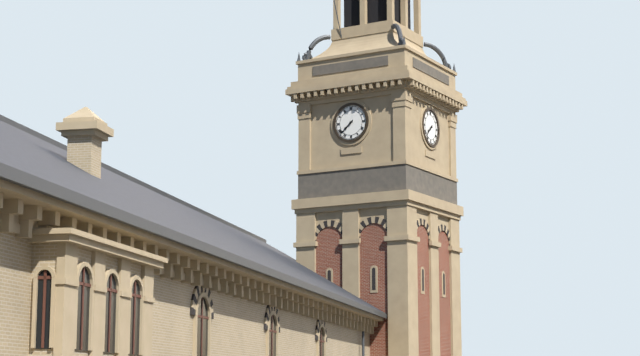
{"hour": 7, "minute": 38}
